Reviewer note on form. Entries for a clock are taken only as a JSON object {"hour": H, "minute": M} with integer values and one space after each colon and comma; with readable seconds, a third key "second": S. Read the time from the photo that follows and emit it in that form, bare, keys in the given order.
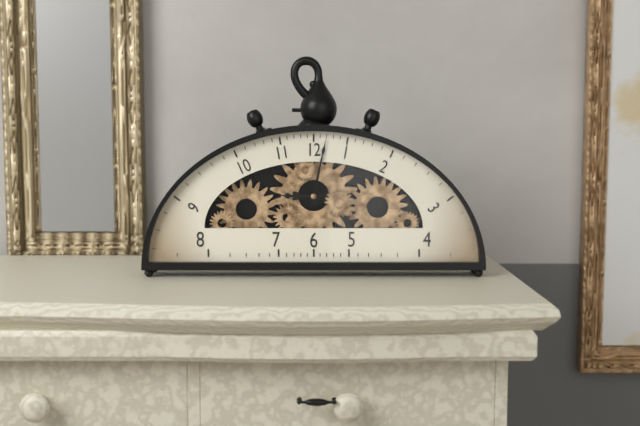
{"hour": 9, "minute": 2}
